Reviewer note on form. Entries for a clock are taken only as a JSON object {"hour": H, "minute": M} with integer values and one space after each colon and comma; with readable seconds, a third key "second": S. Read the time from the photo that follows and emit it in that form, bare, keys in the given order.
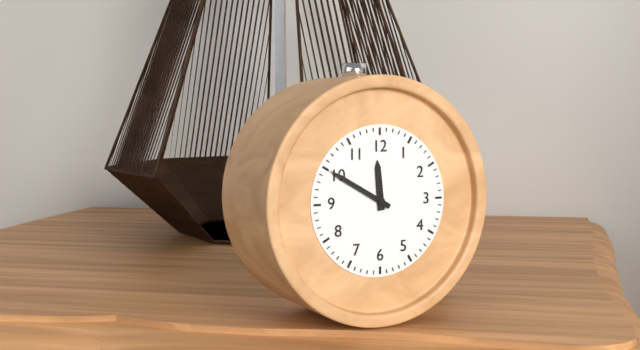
{"hour": 11, "minute": 50}
